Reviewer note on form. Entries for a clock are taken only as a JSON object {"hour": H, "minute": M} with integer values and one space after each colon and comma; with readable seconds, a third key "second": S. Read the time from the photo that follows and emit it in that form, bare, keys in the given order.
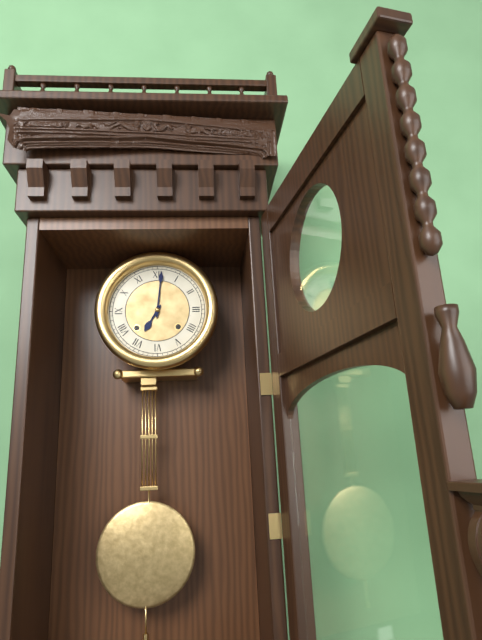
{"hour": 7, "minute": 1}
